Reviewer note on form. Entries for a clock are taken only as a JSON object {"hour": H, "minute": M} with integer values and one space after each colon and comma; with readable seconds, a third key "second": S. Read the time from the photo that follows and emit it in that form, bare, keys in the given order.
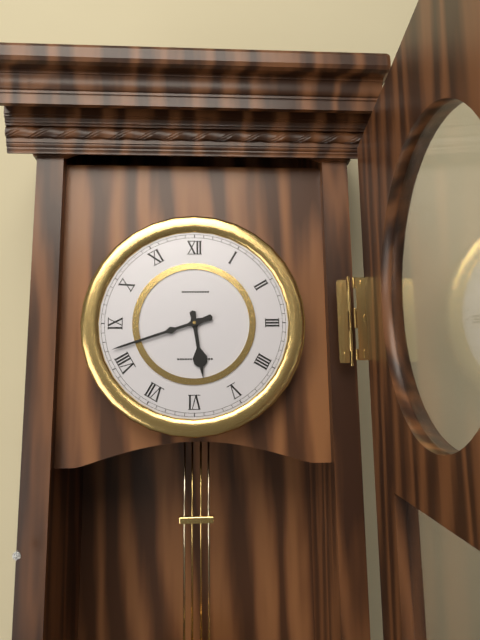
{"hour": 5, "minute": 42}
